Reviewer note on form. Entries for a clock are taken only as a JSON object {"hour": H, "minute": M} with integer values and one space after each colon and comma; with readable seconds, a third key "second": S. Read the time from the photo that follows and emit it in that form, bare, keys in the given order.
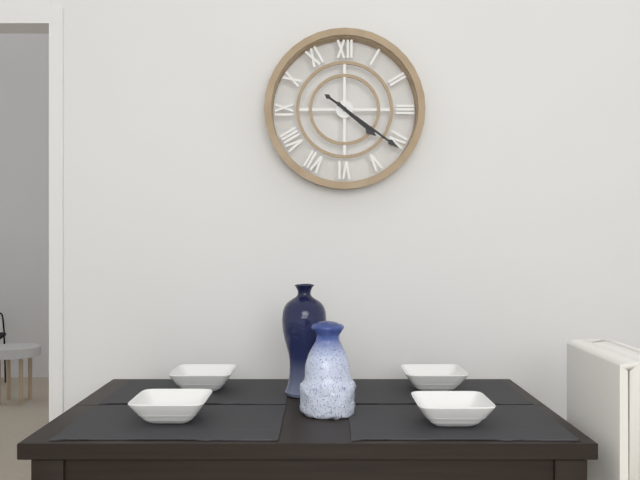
{"hour": 4, "minute": 21}
